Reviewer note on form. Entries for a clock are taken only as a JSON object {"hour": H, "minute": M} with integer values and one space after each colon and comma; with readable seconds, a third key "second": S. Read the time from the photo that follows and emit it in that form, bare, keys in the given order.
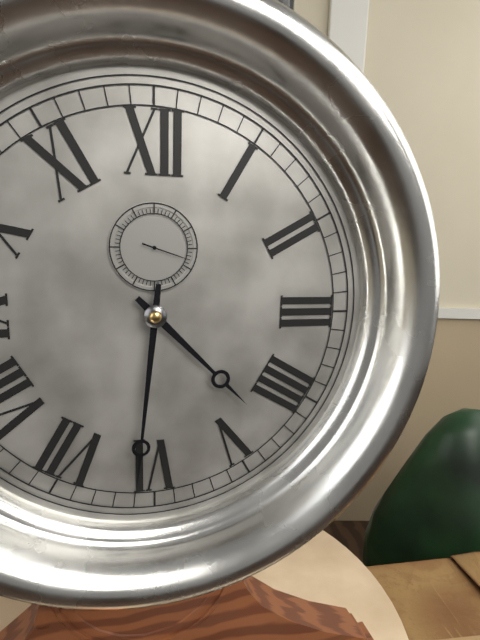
{"hour": 4, "minute": 31}
